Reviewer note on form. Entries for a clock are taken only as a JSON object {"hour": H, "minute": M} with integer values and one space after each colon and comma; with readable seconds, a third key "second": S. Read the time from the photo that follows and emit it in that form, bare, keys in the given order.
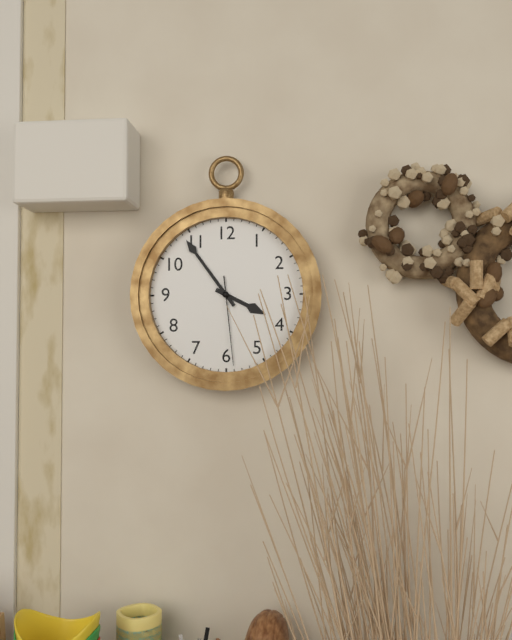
{"hour": 3, "minute": 54, "second": 29}
